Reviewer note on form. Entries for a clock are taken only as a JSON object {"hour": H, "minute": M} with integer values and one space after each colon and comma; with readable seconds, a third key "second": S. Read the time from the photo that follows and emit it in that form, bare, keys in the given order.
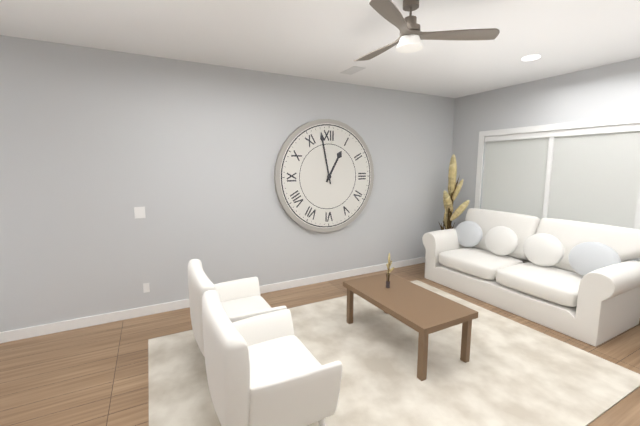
{"hour": 12, "minute": 58}
